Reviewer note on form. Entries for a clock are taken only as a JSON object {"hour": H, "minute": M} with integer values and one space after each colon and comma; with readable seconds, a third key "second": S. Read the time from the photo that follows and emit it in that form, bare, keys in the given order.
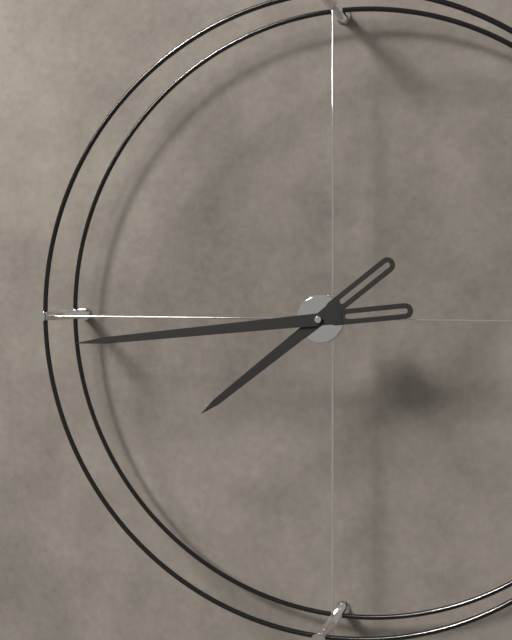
{"hour": 7, "minute": 44}
